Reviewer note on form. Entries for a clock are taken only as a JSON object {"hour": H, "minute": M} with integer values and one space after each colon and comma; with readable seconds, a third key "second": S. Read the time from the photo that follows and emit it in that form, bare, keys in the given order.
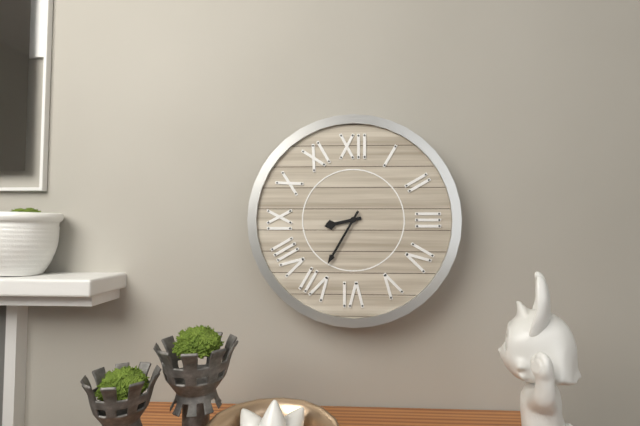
{"hour": 8, "minute": 35}
